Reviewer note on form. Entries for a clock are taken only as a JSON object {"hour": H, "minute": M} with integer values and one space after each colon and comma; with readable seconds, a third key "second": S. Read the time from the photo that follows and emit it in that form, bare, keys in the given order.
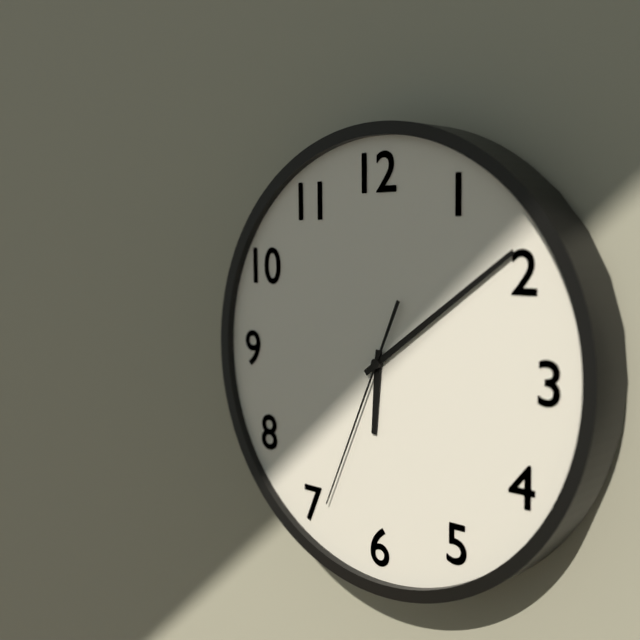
{"hour": 6, "minute": 9, "second": 34}
